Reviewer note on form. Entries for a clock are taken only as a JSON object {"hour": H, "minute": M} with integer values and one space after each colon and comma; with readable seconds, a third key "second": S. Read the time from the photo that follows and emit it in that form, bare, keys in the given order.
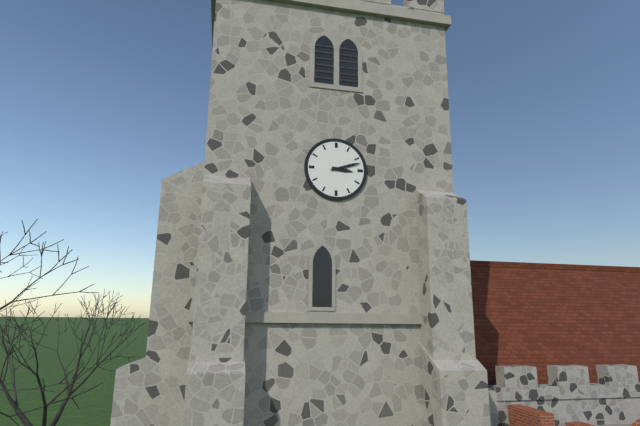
{"hour": 3, "minute": 12}
